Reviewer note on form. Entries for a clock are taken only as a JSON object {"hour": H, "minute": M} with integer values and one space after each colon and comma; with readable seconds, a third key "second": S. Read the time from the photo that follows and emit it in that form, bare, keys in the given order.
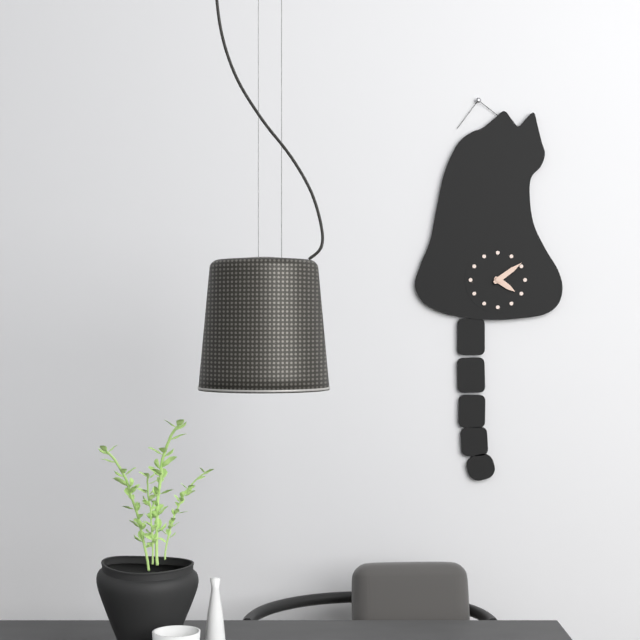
{"hour": 4, "minute": 9}
